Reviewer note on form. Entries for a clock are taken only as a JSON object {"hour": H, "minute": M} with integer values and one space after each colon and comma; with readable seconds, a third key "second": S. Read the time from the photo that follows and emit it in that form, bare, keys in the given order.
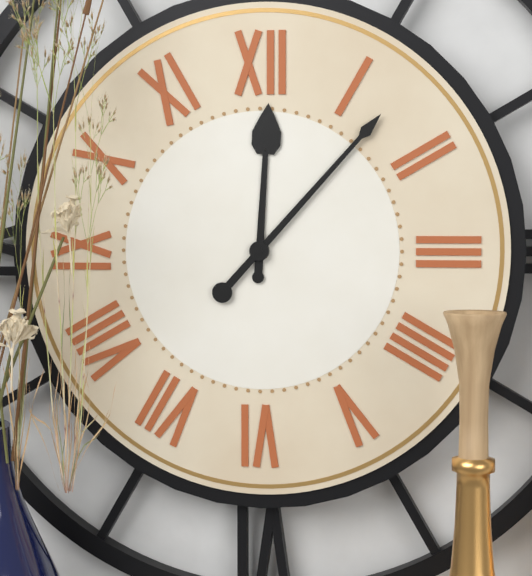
{"hour": 12, "minute": 7}
